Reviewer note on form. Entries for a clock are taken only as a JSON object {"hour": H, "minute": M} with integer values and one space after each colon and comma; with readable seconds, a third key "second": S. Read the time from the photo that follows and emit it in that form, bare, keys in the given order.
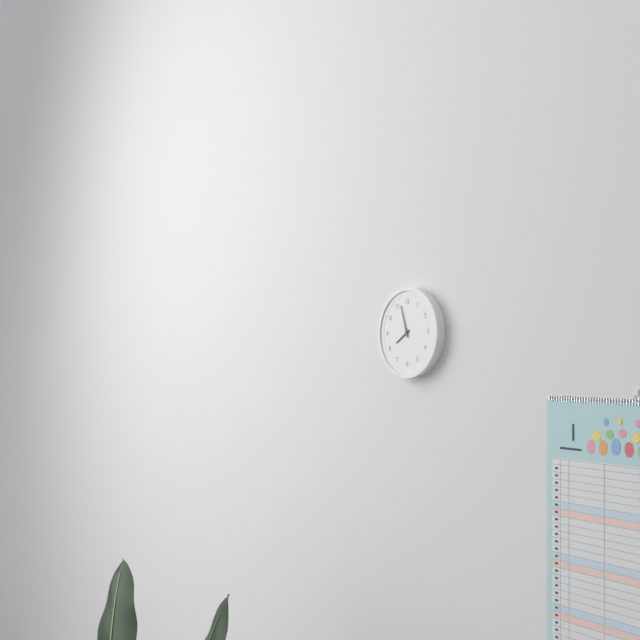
{"hour": 7, "minute": 57}
